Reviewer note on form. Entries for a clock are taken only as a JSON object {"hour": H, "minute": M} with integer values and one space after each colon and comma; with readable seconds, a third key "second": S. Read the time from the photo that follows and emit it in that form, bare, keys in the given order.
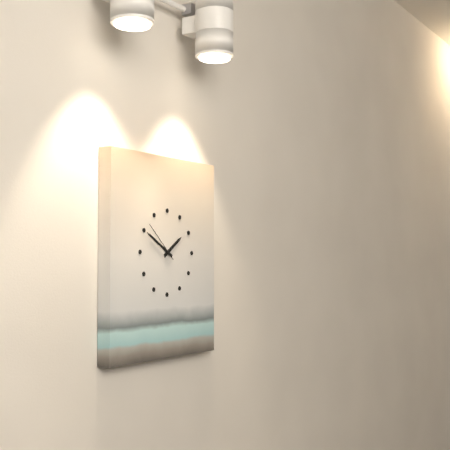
{"hour": 1, "minute": 50}
